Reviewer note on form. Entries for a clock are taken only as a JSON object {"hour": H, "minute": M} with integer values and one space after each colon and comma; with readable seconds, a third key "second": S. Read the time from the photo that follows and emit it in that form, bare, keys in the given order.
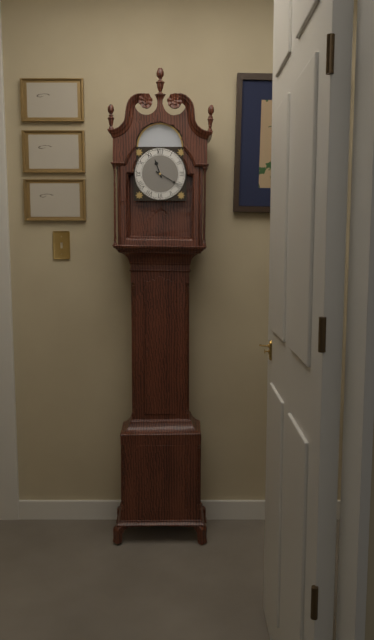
{"hour": 11, "minute": 20}
